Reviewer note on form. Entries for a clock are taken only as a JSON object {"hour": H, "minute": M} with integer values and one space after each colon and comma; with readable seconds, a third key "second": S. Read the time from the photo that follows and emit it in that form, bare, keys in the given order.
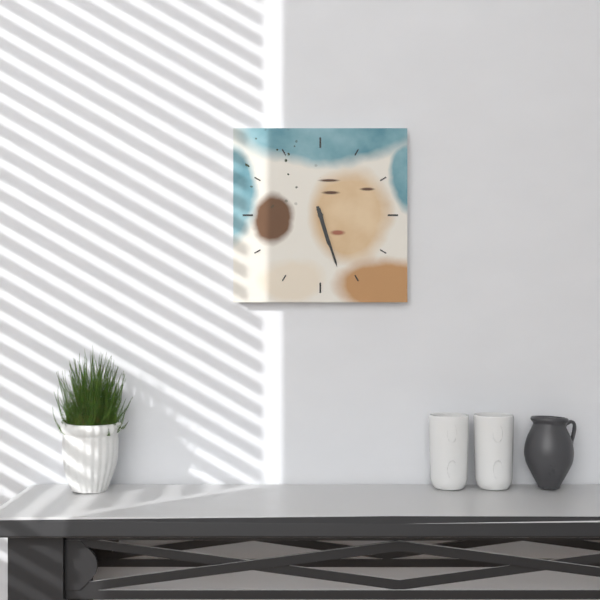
{"hour": 5, "minute": 27}
